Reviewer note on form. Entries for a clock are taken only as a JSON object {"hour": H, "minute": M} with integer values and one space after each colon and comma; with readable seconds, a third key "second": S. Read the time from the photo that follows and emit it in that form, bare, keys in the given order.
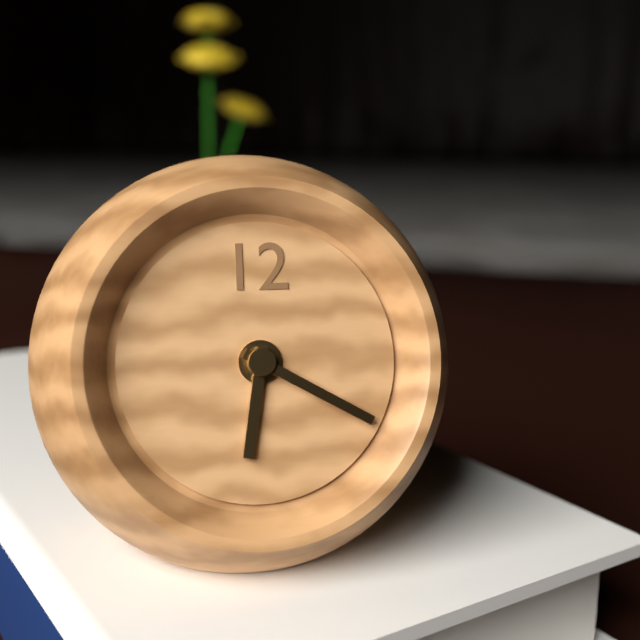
{"hour": 6, "minute": 20}
